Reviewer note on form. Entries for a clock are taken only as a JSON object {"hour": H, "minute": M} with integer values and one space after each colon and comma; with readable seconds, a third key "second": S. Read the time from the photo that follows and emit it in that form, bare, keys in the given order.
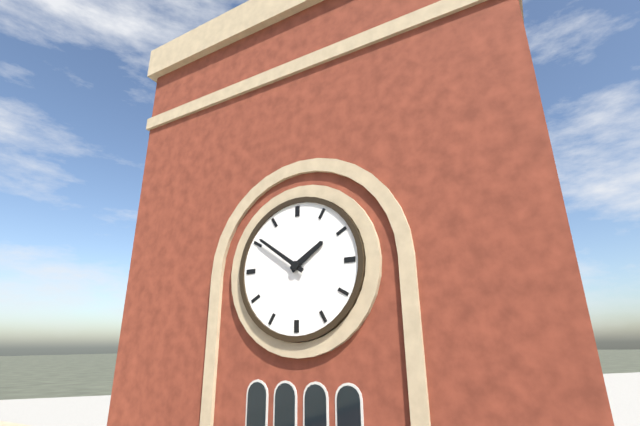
{"hour": 1, "minute": 51}
